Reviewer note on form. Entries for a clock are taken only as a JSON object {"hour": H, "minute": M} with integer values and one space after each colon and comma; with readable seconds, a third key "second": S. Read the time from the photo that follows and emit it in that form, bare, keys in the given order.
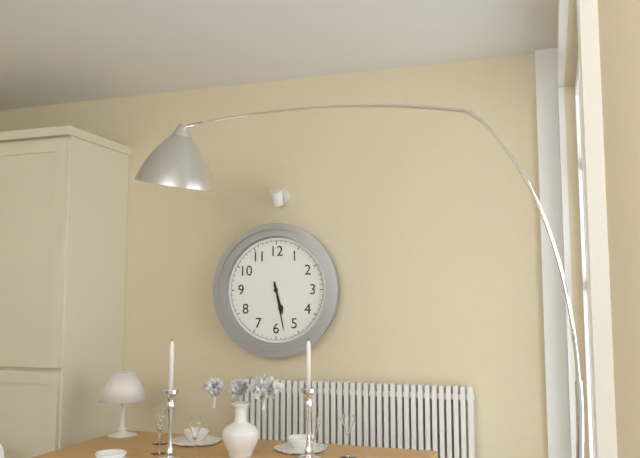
{"hour": 5, "minute": 28}
